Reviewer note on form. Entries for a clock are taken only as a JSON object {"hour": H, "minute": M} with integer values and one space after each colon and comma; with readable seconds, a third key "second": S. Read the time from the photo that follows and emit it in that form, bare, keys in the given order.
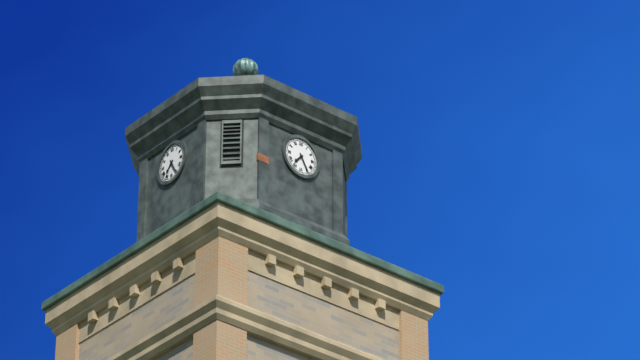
{"hour": 7, "minute": 25}
